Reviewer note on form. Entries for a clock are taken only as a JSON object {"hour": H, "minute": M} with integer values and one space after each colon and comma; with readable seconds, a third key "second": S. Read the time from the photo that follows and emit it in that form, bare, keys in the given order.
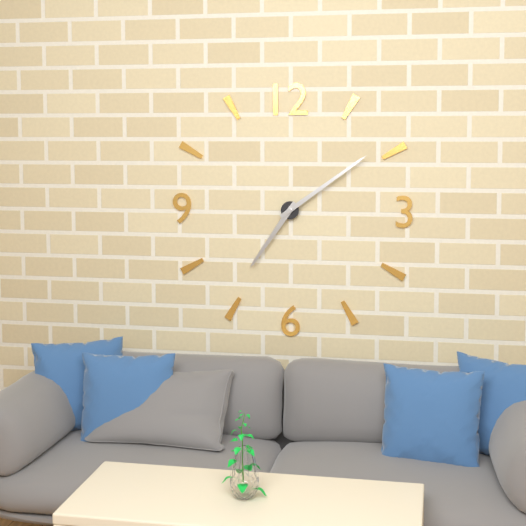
{"hour": 7, "minute": 9}
